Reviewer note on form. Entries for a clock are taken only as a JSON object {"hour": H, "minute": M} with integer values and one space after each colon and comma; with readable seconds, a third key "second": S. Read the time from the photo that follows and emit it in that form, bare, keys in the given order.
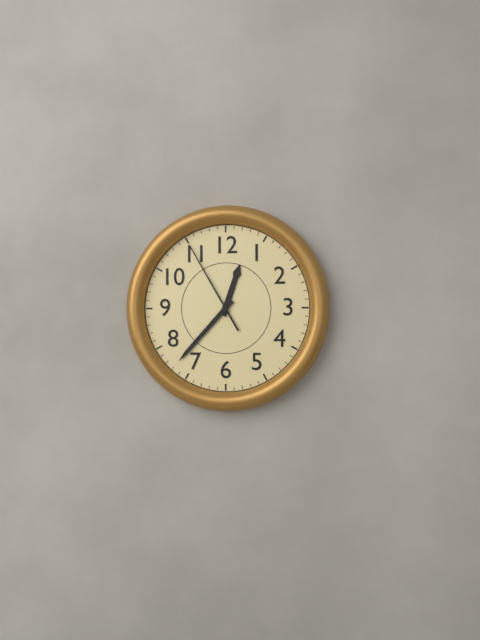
{"hour": 12, "minute": 37, "second": 55}
